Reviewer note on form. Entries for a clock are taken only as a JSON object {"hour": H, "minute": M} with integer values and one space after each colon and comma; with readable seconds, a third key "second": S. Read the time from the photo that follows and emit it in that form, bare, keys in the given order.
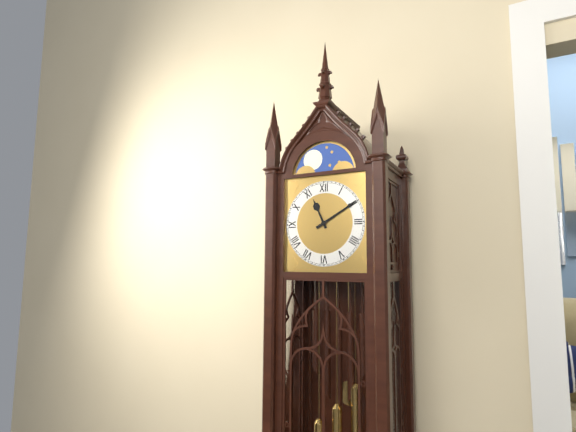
{"hour": 11, "minute": 10}
